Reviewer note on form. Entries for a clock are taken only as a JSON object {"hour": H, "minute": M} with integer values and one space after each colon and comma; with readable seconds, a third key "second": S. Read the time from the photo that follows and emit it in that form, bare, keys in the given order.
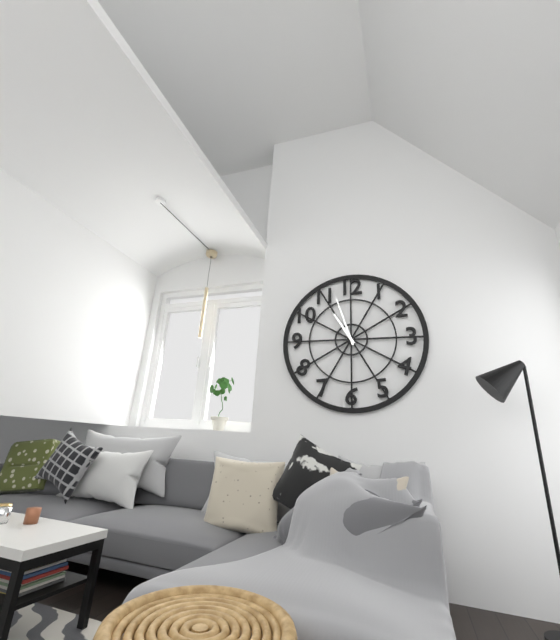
{"hour": 10, "minute": 57}
